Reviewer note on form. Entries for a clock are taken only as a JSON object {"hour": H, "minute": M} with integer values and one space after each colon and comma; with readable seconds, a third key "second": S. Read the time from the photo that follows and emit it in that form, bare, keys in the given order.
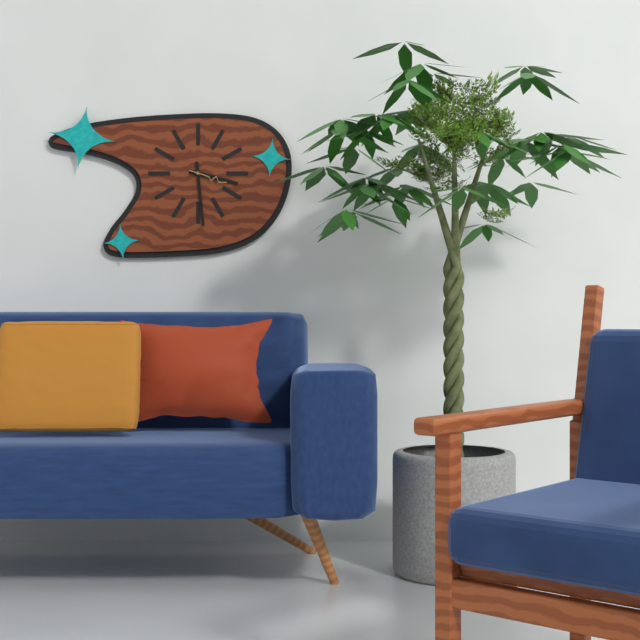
{"hour": 3, "minute": 29}
